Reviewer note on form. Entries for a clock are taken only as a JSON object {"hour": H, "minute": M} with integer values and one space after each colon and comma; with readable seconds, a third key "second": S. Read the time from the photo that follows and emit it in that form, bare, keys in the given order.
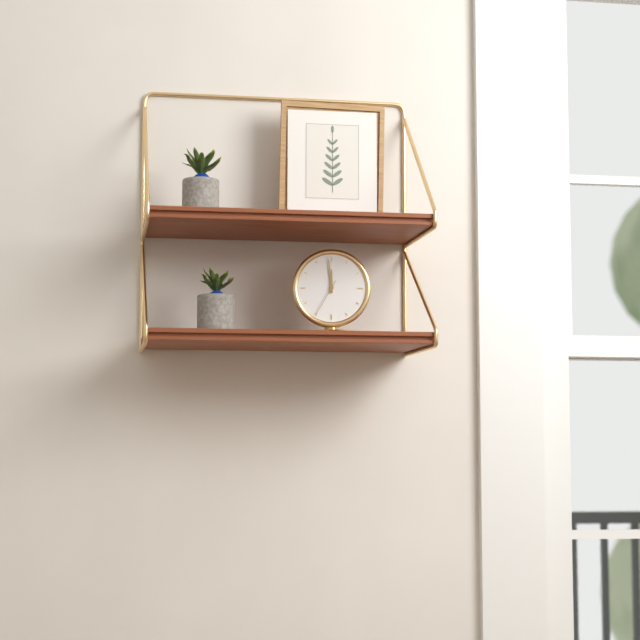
{"hour": 11, "minute": 59}
